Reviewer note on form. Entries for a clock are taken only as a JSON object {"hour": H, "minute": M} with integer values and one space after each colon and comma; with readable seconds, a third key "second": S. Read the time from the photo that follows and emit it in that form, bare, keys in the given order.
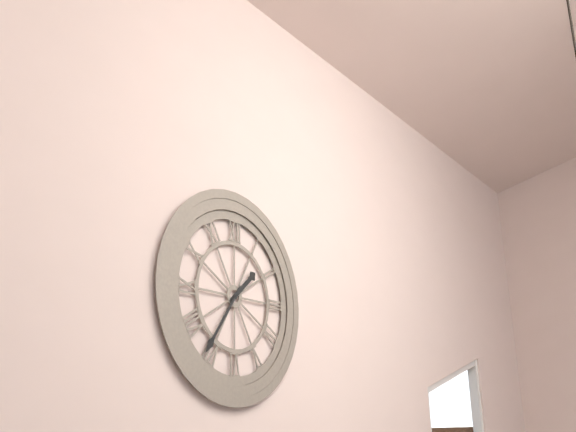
{"hour": 1, "minute": 36}
